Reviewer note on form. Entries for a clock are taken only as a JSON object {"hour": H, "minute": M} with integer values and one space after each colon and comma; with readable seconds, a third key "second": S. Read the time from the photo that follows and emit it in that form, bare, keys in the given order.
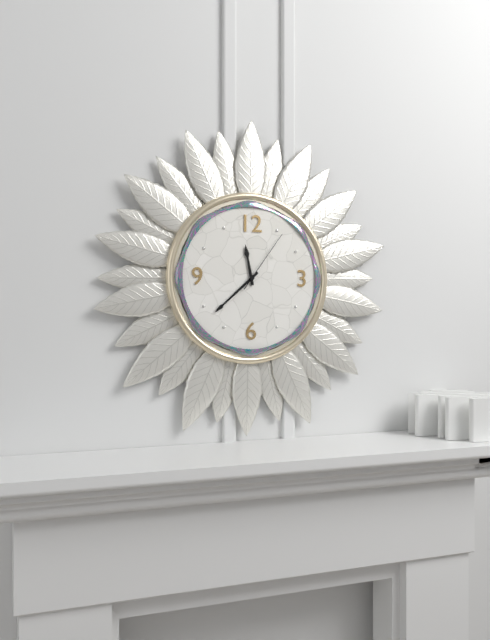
{"hour": 11, "minute": 38, "second": 6}
